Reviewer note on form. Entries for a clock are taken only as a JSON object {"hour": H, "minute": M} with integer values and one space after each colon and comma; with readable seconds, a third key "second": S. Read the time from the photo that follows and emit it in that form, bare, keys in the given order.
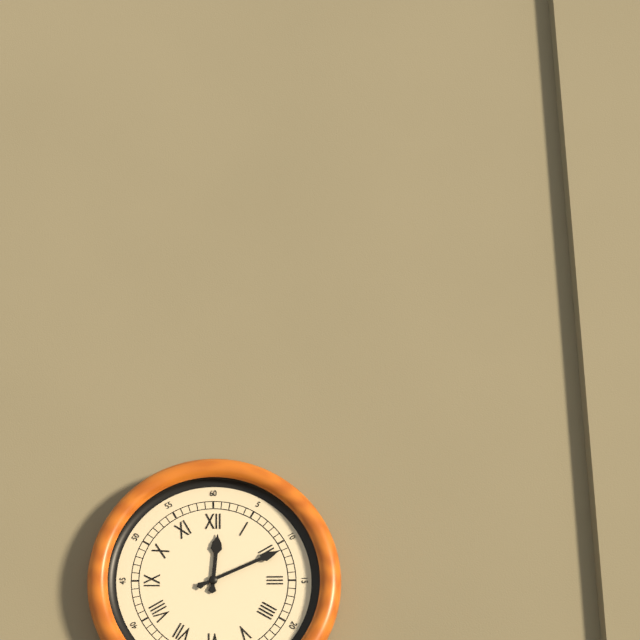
{"hour": 12, "minute": 11}
